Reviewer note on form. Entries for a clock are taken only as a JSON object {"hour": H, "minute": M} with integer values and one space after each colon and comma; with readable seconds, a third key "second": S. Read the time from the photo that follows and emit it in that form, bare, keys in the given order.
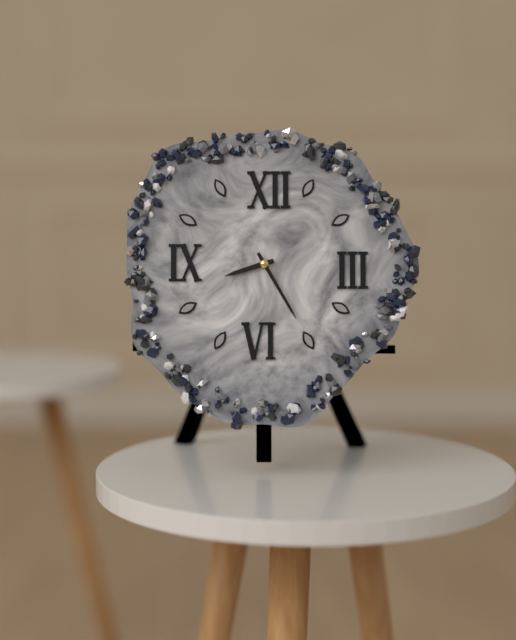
{"hour": 8, "minute": 25}
